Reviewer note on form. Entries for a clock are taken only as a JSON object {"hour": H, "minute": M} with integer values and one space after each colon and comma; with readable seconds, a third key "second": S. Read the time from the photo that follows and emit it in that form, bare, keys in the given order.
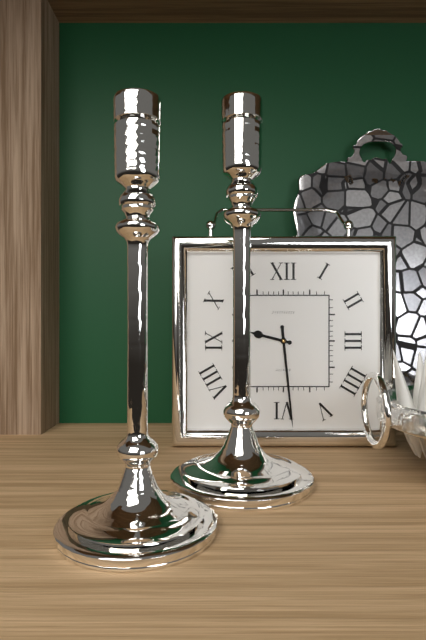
{"hour": 9, "minute": 29}
